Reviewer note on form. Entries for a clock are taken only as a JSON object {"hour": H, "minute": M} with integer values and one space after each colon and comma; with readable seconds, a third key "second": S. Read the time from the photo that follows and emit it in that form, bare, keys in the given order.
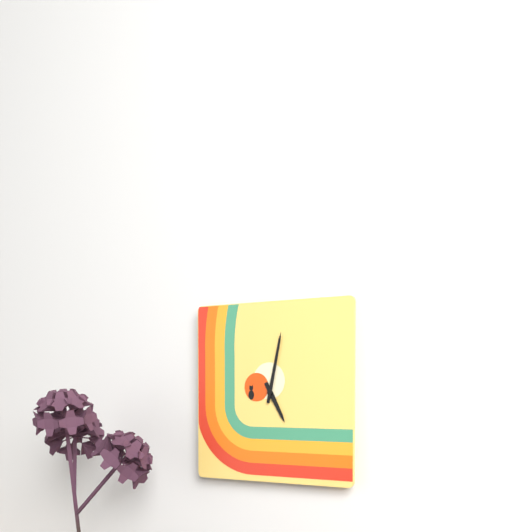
{"hour": 5, "minute": 2}
